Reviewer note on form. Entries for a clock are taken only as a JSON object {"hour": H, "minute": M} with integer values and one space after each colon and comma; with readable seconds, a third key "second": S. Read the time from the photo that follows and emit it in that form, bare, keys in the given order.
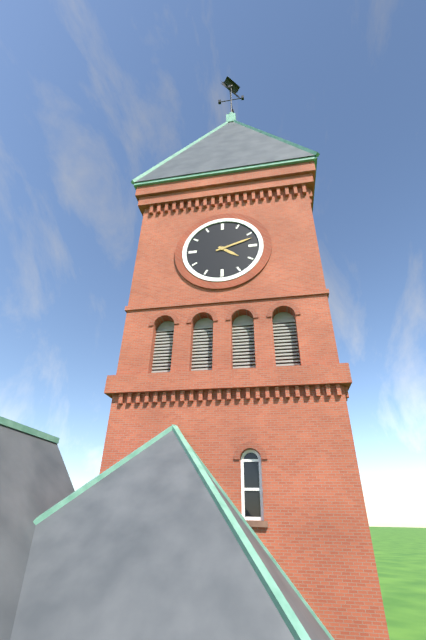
{"hour": 4, "minute": 12}
